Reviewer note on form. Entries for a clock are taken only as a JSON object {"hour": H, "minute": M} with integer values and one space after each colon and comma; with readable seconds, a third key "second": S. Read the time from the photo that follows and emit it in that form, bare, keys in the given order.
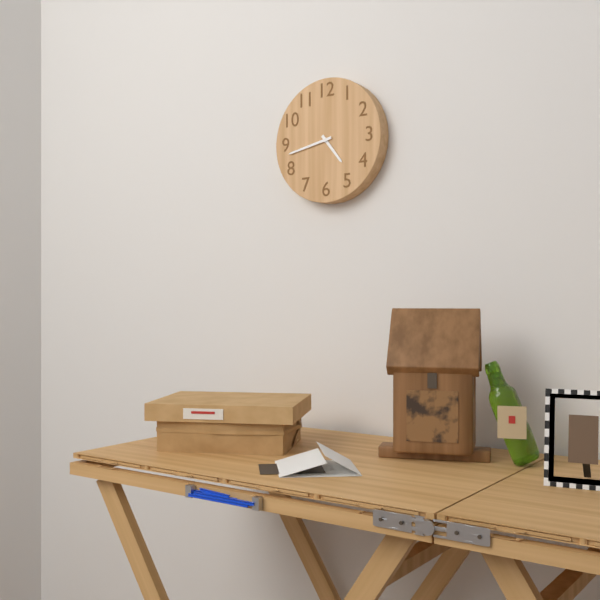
{"hour": 4, "minute": 43}
